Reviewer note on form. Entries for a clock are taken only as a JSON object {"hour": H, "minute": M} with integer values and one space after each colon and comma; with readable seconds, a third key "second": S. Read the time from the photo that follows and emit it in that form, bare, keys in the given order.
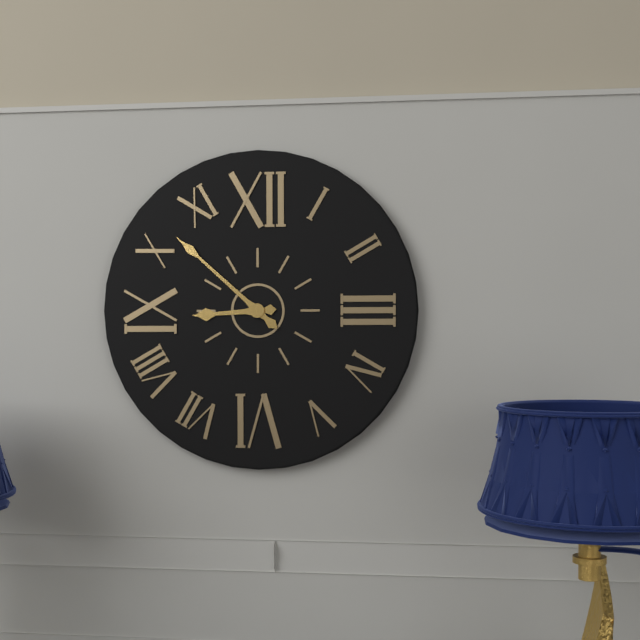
{"hour": 8, "minute": 52}
